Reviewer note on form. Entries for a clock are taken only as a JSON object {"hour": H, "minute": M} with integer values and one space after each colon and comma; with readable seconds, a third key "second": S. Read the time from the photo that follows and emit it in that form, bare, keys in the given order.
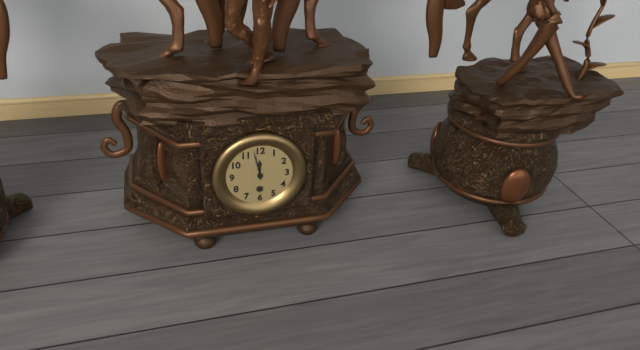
{"hour": 11, "minute": 58}
